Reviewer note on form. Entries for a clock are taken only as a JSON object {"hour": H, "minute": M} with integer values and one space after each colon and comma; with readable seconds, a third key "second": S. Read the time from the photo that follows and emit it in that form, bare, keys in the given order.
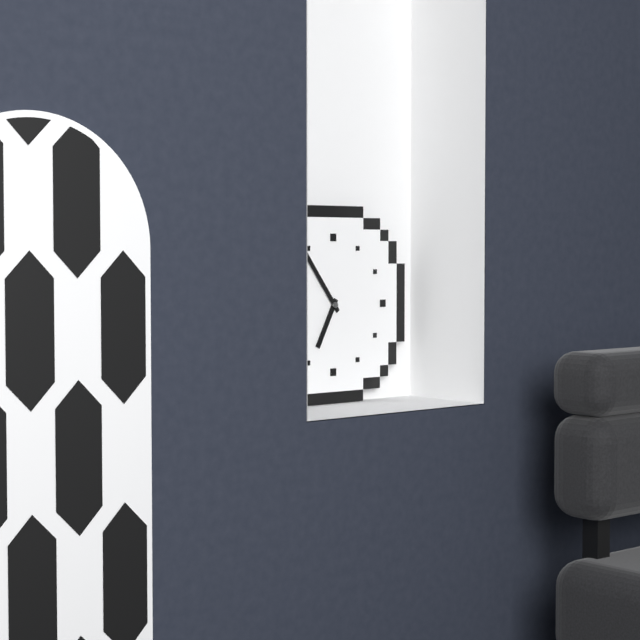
{"hour": 6, "minute": 54}
